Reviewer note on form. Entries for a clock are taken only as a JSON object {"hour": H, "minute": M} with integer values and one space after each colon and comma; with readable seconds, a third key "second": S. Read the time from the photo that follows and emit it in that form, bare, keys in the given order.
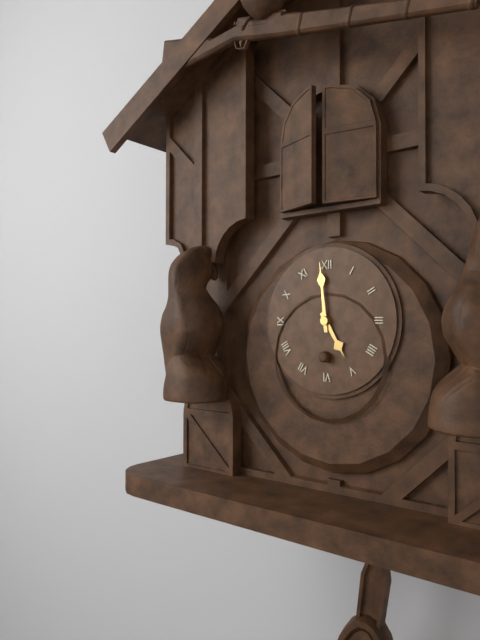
{"hour": 4, "minute": 59}
